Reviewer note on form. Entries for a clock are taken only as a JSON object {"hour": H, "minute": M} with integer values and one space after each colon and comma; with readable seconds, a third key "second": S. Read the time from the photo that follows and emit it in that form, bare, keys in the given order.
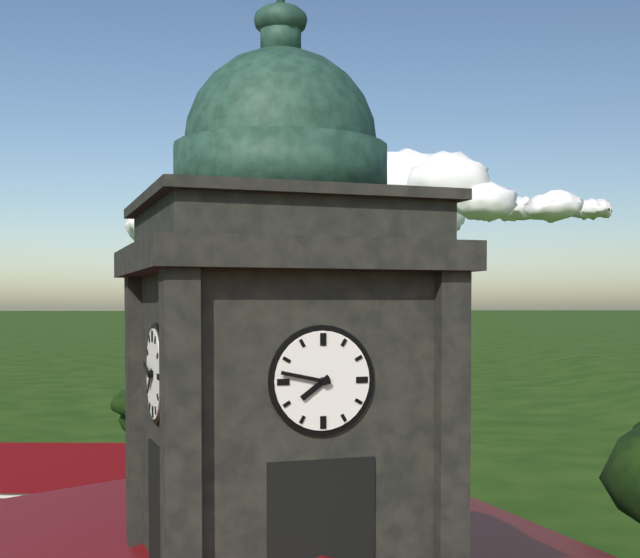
{"hour": 7, "minute": 47}
